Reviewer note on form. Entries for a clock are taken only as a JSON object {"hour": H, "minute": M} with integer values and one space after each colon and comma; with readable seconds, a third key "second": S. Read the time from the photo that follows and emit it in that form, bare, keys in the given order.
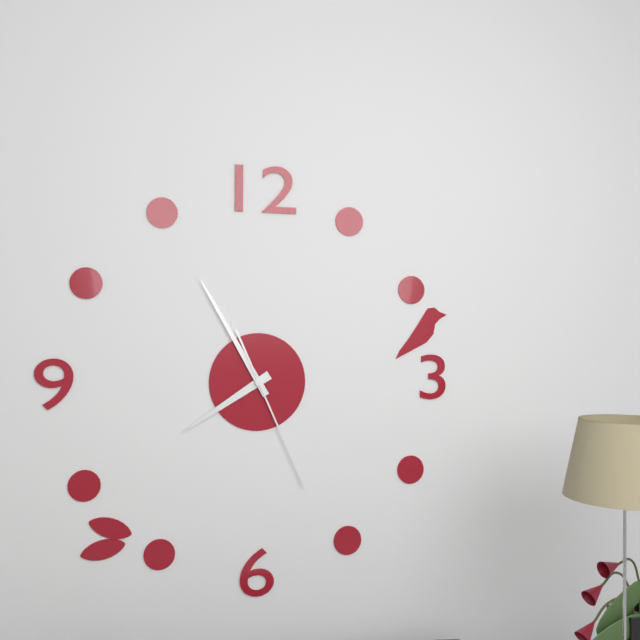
{"hour": 7, "minute": 55, "second": 26}
